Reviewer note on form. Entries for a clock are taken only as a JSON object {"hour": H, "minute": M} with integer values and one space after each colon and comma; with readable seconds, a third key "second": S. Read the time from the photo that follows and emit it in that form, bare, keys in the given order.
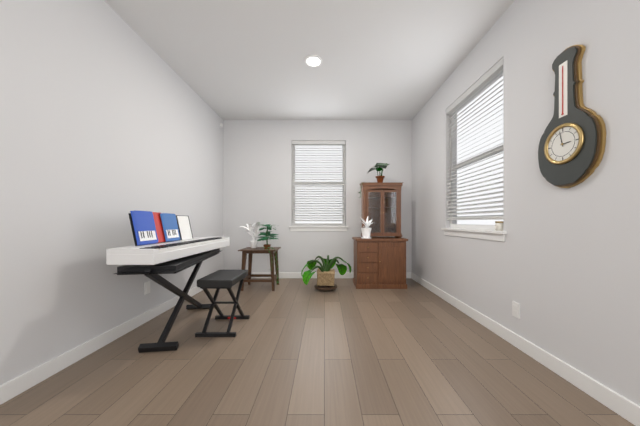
{"hour": 2, "minute": 58}
